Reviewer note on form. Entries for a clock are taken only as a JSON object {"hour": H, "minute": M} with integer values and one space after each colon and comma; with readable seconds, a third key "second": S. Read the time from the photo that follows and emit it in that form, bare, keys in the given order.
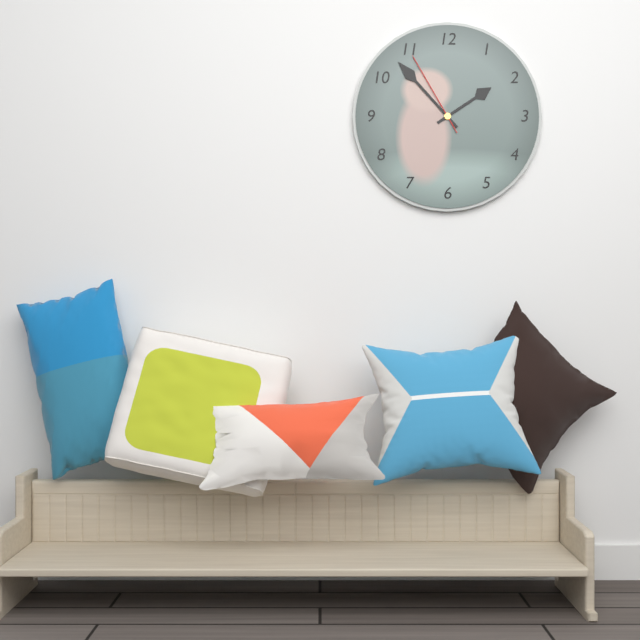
{"hour": 1, "minute": 53, "second": 55}
